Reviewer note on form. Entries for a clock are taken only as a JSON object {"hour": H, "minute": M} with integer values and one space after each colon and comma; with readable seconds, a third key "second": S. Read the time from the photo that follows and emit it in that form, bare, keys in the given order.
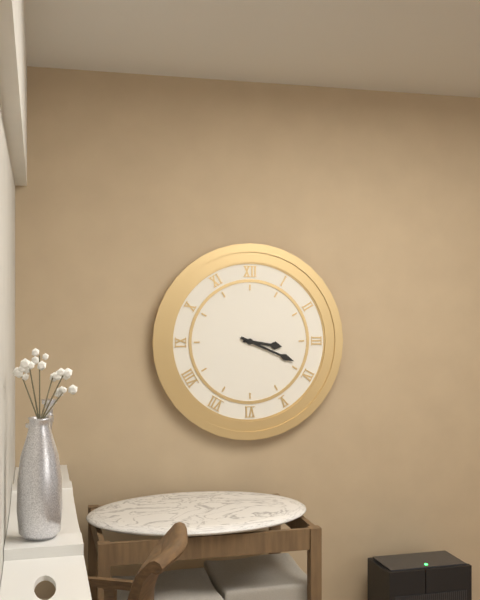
{"hour": 3, "minute": 19}
